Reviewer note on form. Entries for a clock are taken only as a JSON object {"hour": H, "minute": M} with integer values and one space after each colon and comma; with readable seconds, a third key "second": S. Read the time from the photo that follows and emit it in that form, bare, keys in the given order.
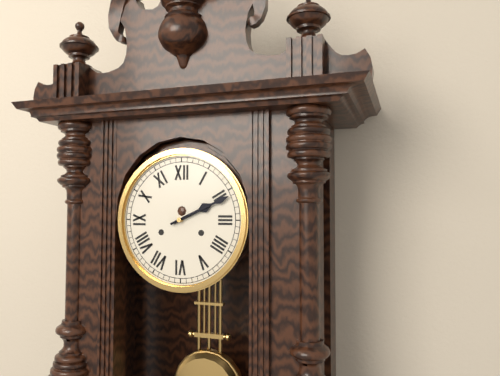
{"hour": 2, "minute": 11}
